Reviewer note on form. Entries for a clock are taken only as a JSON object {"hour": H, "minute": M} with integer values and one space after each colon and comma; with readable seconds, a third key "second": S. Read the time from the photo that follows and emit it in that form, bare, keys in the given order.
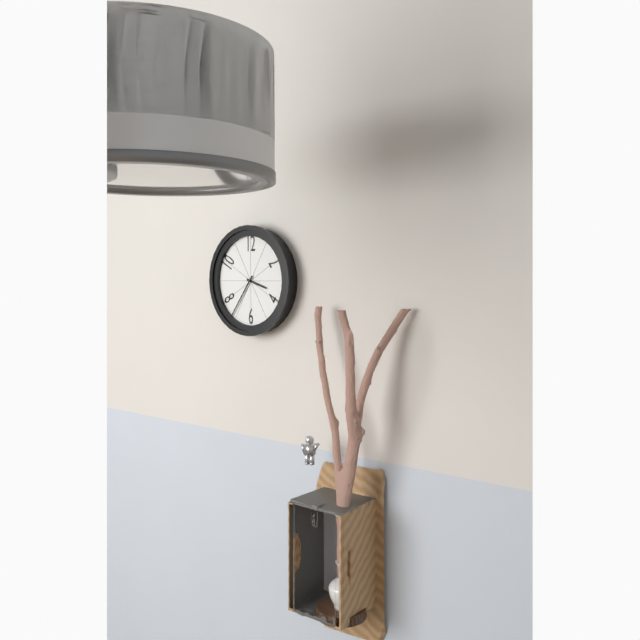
{"hour": 3, "minute": 36}
